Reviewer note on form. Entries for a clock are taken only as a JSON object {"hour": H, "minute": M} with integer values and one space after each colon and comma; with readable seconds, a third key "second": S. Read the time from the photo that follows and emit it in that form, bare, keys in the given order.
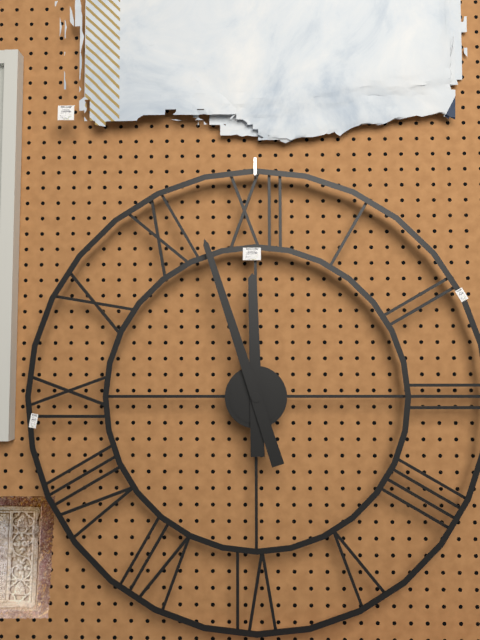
{"hour": 11, "minute": 57}
